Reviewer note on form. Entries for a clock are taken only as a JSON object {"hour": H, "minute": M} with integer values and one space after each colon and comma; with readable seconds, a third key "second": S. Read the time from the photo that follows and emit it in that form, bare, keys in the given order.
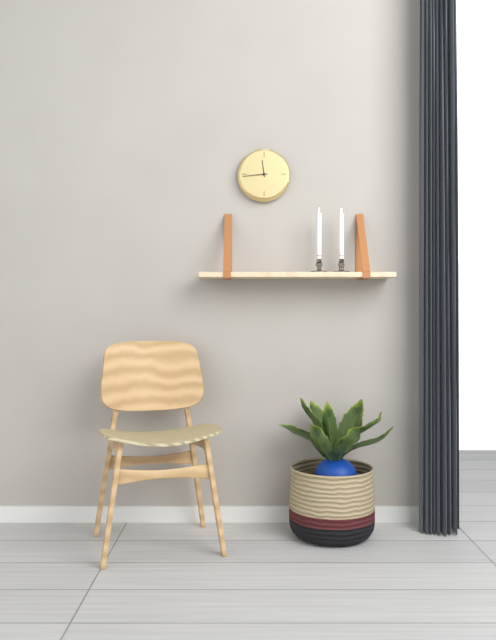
{"hour": 11, "minute": 44}
